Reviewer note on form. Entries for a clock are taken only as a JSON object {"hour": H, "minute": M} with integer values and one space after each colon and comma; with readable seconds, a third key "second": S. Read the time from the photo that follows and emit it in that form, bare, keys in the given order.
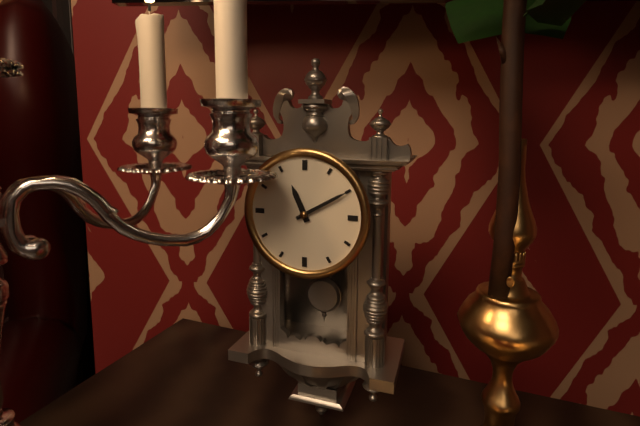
{"hour": 11, "minute": 10}
